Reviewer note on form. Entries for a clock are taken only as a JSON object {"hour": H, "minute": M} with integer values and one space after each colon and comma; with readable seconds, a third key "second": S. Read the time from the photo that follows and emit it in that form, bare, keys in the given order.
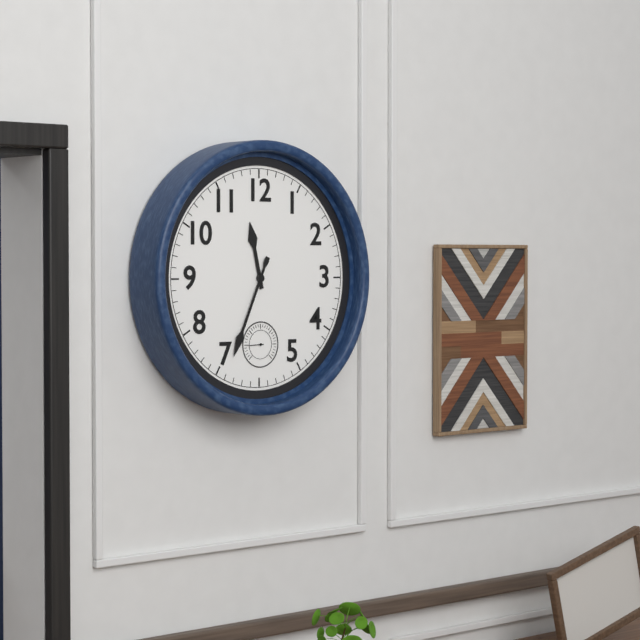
{"hour": 11, "minute": 34}
